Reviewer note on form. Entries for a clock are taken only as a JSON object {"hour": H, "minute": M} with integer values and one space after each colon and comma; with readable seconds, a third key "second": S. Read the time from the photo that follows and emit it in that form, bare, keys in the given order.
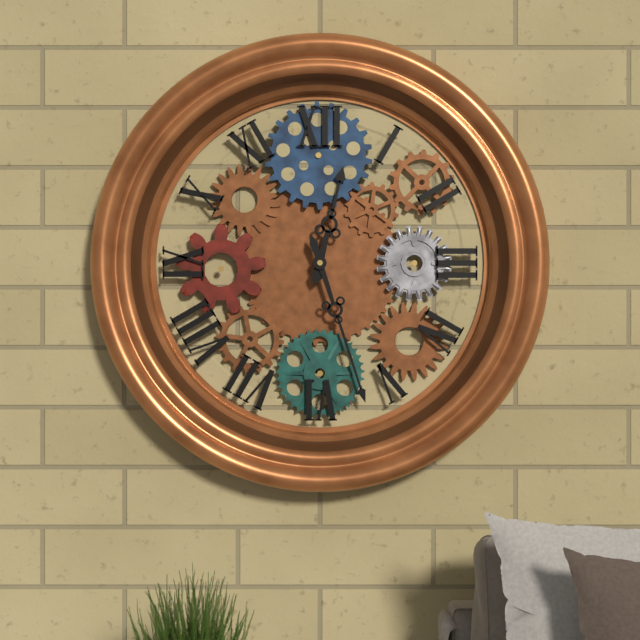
{"hour": 12, "minute": 27}
